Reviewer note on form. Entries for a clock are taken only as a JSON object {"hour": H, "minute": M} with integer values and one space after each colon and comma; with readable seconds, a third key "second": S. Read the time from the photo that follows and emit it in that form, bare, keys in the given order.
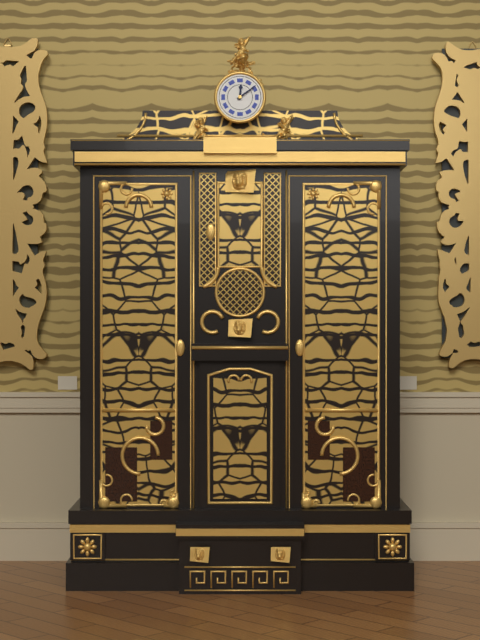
{"hour": 12, "minute": 9}
